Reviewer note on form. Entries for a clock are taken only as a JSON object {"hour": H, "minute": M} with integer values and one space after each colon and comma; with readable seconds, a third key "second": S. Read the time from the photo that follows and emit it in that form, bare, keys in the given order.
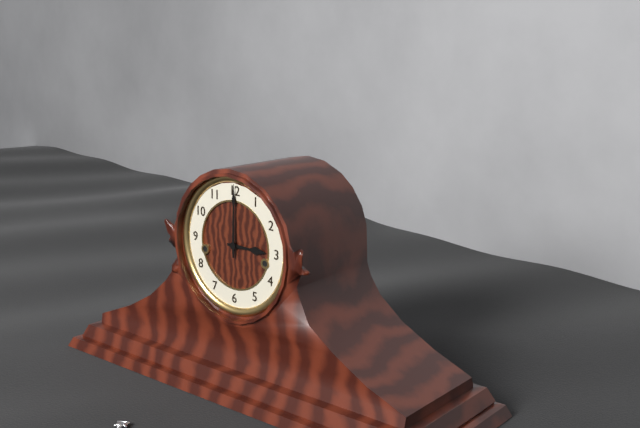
{"hour": 3, "minute": 0}
